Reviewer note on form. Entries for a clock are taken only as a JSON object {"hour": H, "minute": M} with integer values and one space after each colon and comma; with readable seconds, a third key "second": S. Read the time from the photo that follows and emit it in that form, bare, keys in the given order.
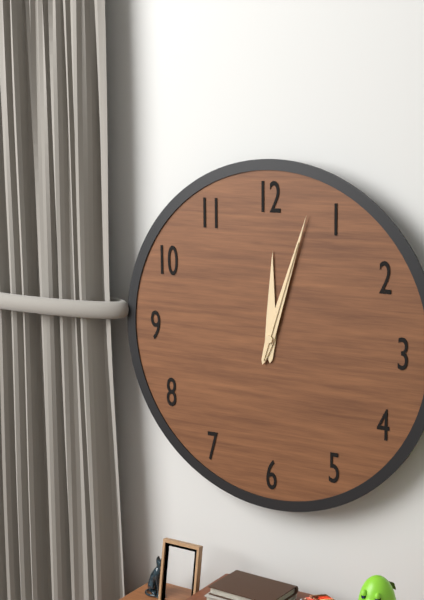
{"hour": 12, "minute": 3, "second": 3}
